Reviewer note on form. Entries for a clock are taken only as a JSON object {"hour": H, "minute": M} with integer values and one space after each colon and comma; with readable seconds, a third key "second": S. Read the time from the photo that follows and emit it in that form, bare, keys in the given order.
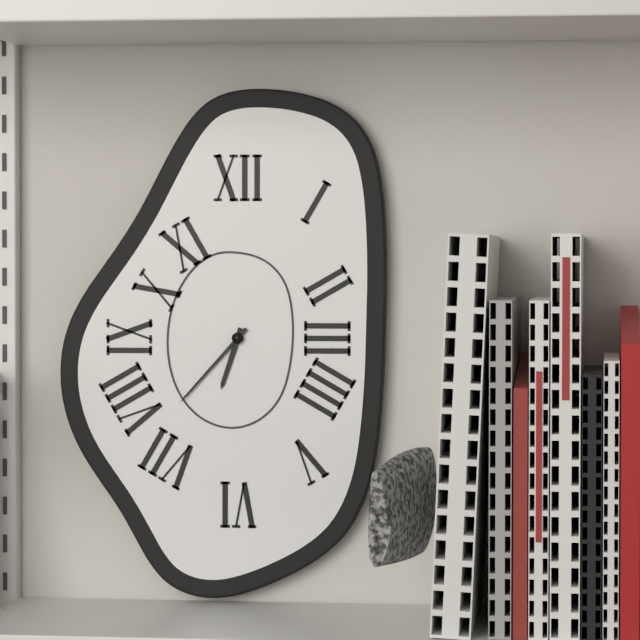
{"hour": 6, "minute": 37}
